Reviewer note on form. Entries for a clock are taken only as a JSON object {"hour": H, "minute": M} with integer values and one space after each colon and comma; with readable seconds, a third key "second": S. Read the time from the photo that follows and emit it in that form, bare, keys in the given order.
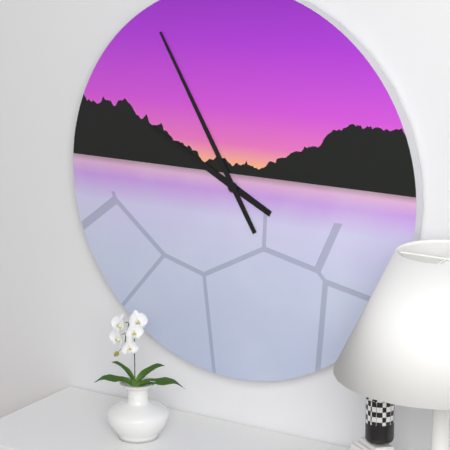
{"hour": 9, "minute": 55}
